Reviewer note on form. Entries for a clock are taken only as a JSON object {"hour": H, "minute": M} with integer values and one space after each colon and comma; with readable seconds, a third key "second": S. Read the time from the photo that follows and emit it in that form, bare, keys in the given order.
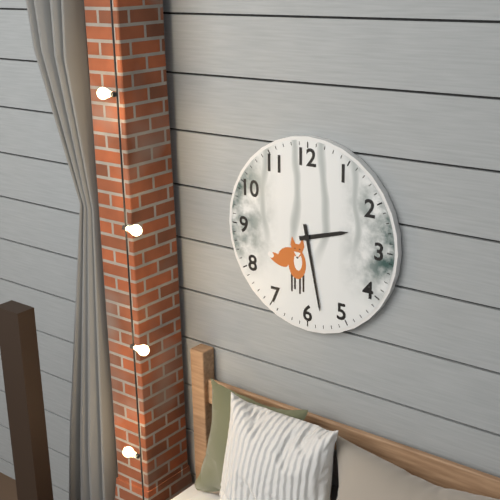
{"hour": 2, "minute": 28}
